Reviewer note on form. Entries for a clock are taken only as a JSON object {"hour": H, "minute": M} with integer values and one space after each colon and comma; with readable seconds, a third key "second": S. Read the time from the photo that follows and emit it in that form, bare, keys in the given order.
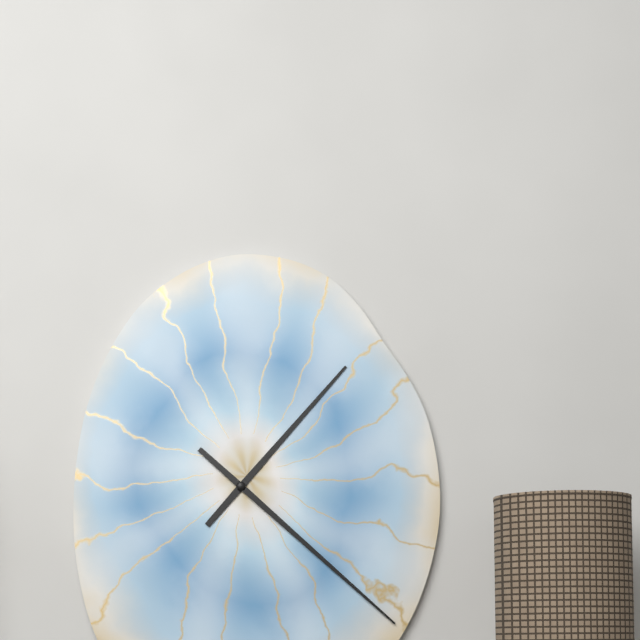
{"hour": 1, "minute": 22}
